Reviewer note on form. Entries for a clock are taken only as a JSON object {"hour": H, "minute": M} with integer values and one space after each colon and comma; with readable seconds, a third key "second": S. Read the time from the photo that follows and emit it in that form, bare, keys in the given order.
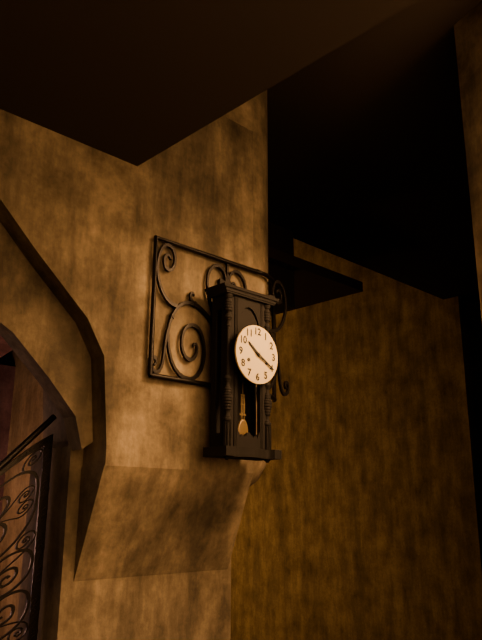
{"hour": 10, "minute": 20}
